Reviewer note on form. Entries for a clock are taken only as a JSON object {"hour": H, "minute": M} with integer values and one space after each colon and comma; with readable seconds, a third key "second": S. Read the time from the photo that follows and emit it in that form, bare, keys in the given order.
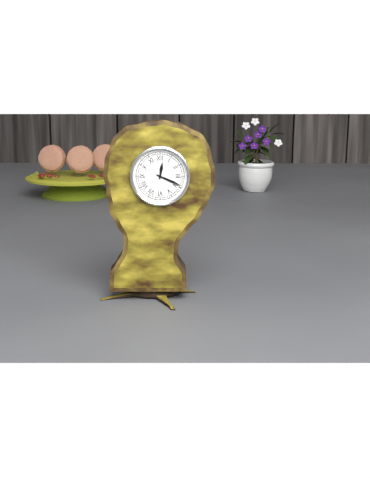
{"hour": 12, "minute": 19}
